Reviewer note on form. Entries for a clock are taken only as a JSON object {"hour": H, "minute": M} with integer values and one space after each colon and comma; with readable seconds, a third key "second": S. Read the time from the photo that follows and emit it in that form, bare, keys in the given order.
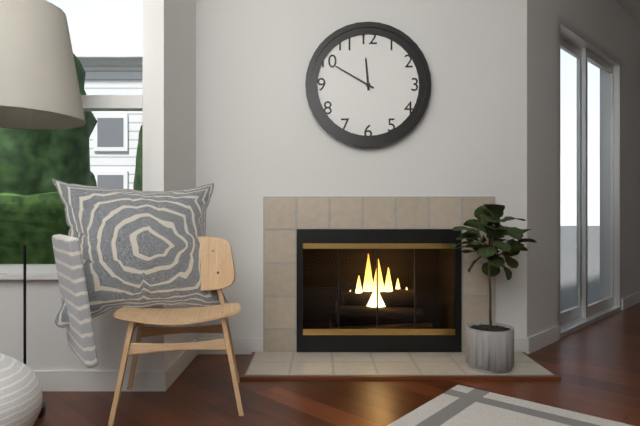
{"hour": 11, "minute": 50}
